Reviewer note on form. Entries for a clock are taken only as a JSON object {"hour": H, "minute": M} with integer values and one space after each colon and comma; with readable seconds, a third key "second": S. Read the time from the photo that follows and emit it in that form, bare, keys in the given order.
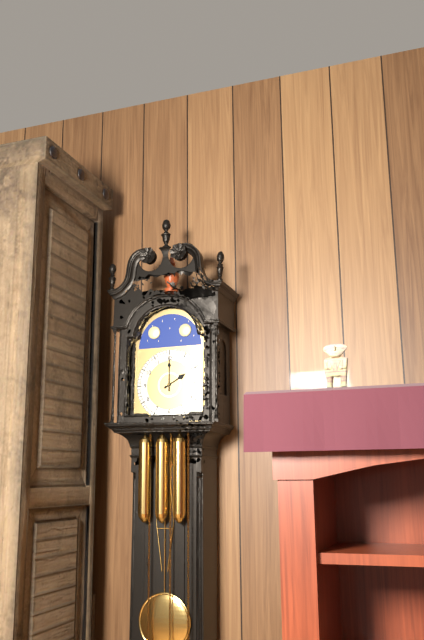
{"hour": 2, "minute": 0}
